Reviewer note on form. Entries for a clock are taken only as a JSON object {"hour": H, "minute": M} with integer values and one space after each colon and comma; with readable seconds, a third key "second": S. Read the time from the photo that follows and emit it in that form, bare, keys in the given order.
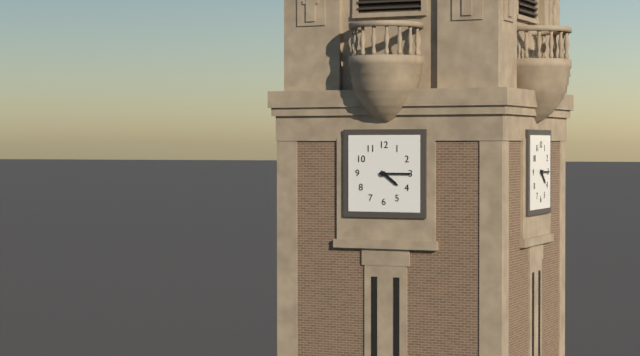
{"hour": 4, "minute": 15}
